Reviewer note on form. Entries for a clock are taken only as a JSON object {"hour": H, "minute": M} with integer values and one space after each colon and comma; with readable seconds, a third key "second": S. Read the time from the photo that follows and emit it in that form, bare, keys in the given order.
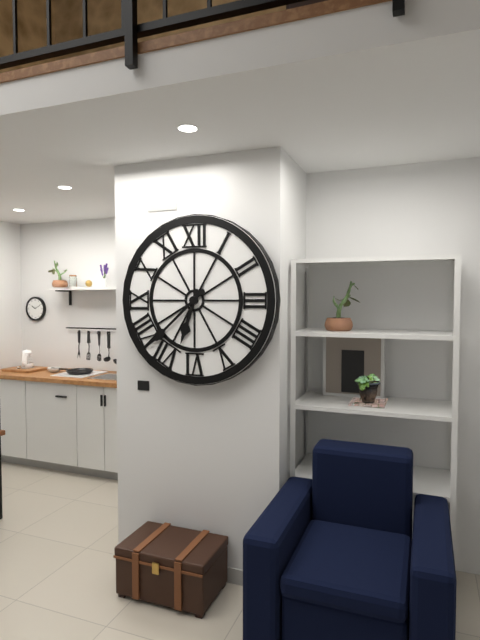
{"hour": 6, "minute": 38}
